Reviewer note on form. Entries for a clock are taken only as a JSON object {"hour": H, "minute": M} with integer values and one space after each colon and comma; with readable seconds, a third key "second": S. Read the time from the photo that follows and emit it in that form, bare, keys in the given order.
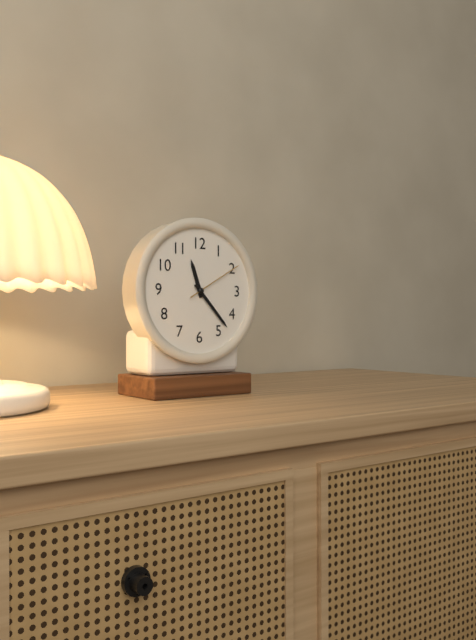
{"hour": 11, "minute": 23, "second": 10}
